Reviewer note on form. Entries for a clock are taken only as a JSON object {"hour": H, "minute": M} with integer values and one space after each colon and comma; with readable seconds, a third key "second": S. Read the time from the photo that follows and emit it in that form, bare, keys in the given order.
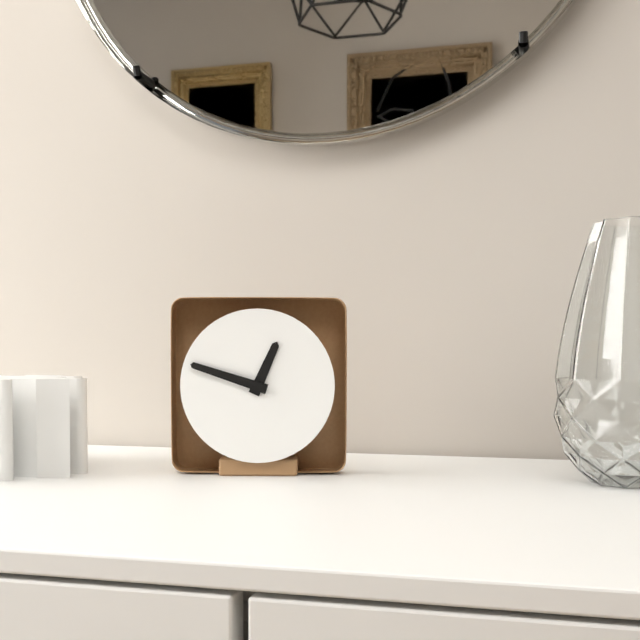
{"hour": 12, "minute": 48}
